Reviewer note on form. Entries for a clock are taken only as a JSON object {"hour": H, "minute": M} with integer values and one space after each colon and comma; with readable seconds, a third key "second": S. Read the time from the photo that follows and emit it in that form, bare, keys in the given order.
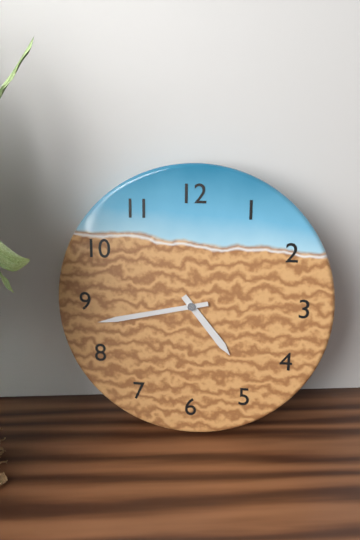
{"hour": 4, "minute": 43}
